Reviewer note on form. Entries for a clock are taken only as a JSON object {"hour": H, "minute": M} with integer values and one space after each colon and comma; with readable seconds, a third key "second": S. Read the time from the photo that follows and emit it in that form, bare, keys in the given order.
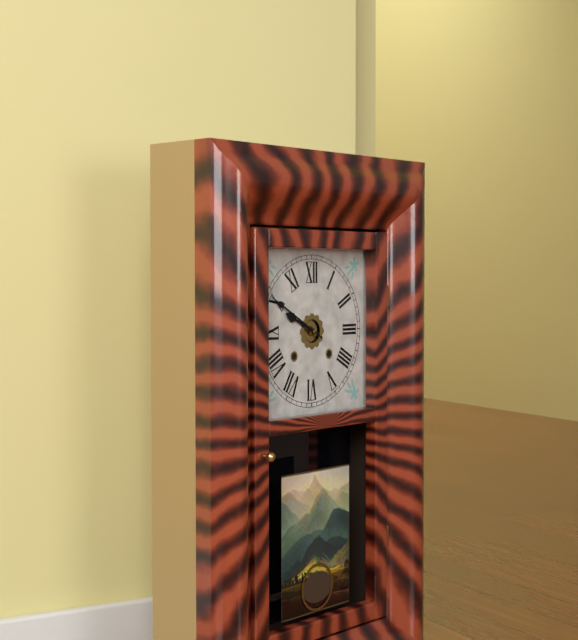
{"hour": 9, "minute": 50}
